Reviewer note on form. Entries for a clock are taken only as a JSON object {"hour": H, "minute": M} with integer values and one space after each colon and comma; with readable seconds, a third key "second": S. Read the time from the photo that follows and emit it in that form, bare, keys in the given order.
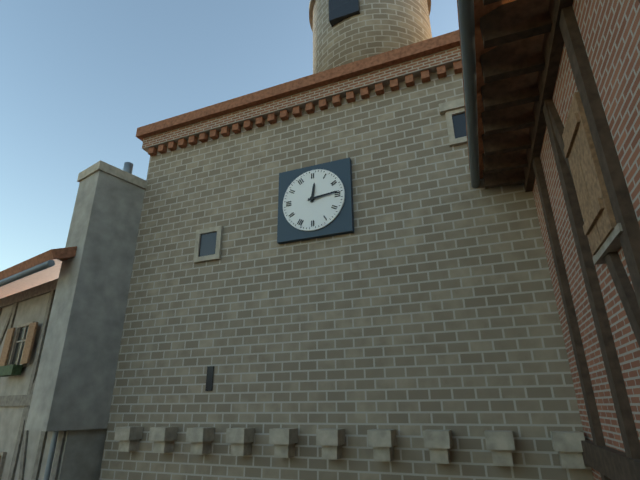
{"hour": 12, "minute": 14}
